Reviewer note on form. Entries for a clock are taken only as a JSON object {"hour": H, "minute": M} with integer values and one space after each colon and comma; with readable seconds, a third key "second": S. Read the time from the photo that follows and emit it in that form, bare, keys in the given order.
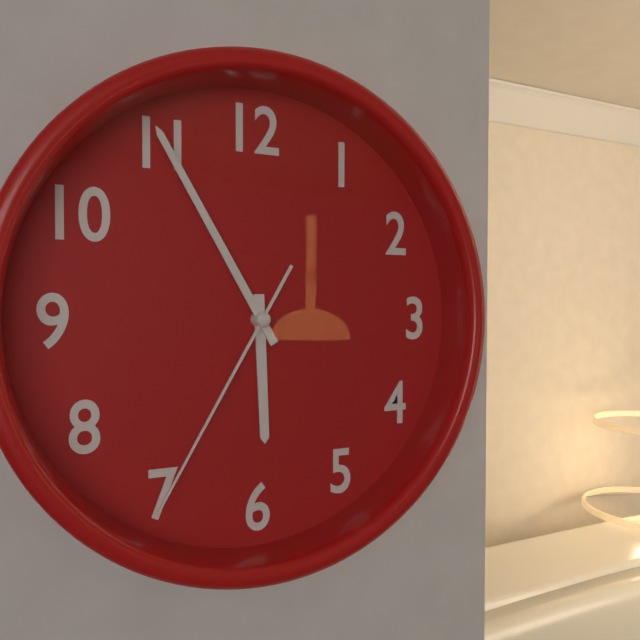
{"hour": 5, "minute": 55, "second": 35}
